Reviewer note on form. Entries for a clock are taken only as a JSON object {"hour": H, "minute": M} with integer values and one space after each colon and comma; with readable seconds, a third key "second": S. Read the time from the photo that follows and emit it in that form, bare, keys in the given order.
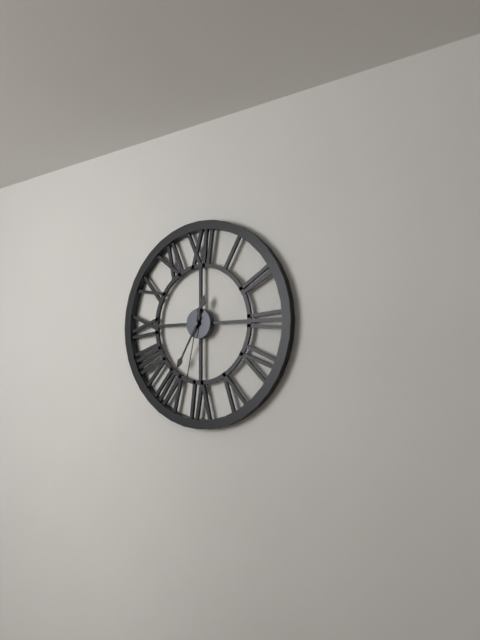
{"hour": 12, "minute": 35, "second": 32}
